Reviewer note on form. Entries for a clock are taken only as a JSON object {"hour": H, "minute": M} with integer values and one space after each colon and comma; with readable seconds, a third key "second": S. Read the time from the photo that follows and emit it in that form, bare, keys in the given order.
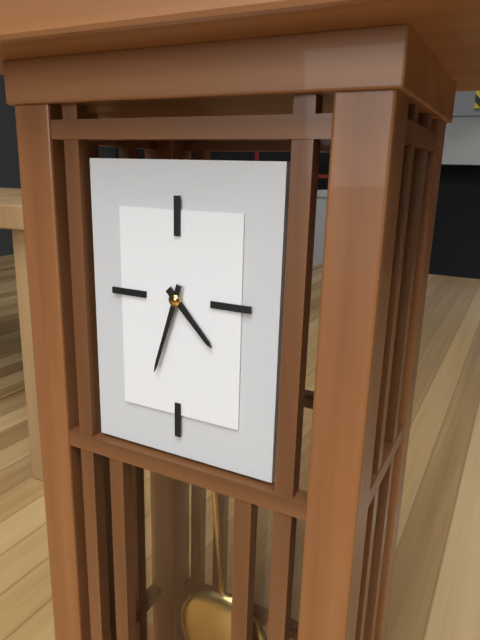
{"hour": 4, "minute": 33}
